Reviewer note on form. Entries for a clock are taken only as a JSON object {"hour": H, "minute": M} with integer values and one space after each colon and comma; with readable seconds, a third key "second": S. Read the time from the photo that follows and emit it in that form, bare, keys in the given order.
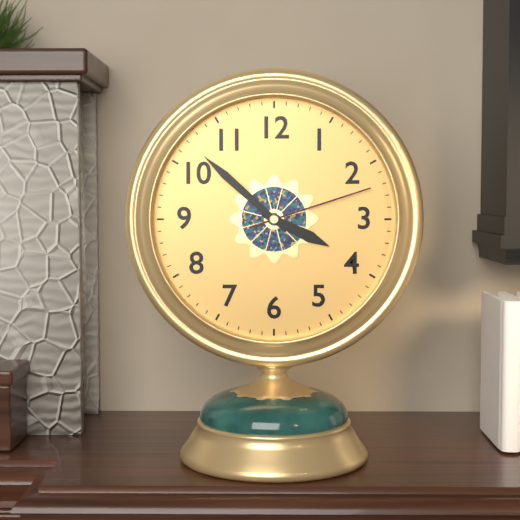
{"hour": 3, "minute": 52, "second": 12}
